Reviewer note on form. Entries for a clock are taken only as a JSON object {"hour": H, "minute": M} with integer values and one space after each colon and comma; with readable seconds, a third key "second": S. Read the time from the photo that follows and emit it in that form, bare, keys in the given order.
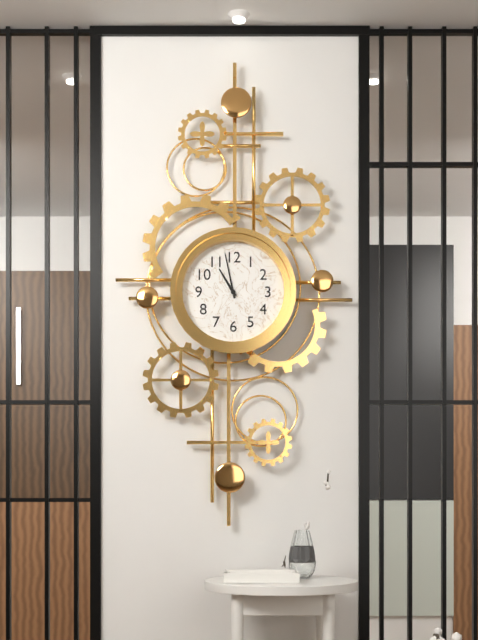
{"hour": 10, "minute": 58}
